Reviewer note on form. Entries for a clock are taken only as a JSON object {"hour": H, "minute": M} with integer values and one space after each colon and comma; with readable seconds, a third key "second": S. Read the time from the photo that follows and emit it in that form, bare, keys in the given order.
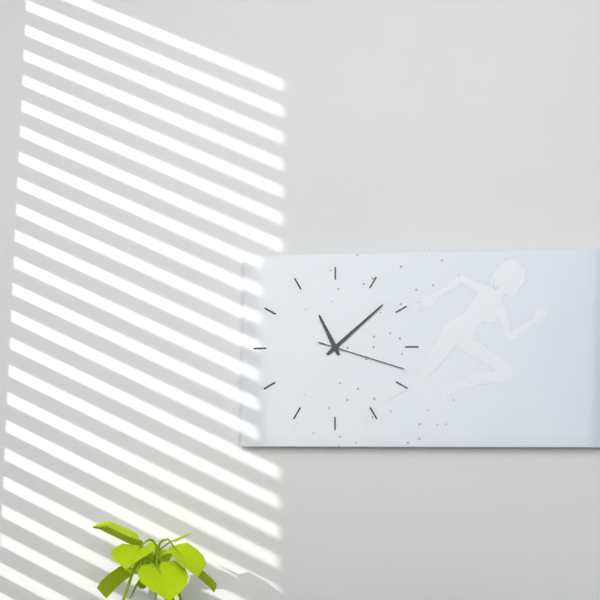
{"hour": 11, "minute": 8, "second": 18}
